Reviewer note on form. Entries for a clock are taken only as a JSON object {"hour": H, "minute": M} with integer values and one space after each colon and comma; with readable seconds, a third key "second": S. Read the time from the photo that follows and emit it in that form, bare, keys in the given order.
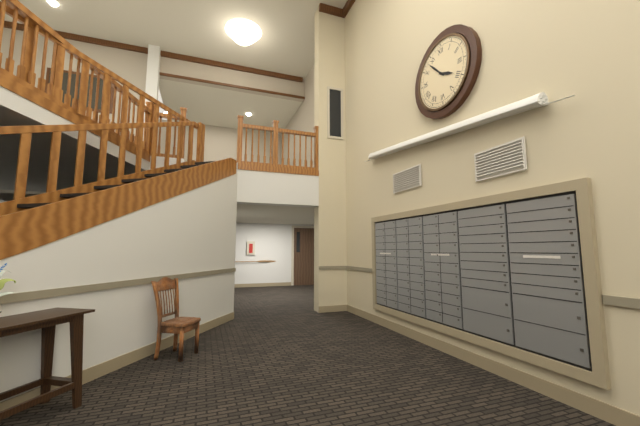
{"hour": 3, "minute": 53}
